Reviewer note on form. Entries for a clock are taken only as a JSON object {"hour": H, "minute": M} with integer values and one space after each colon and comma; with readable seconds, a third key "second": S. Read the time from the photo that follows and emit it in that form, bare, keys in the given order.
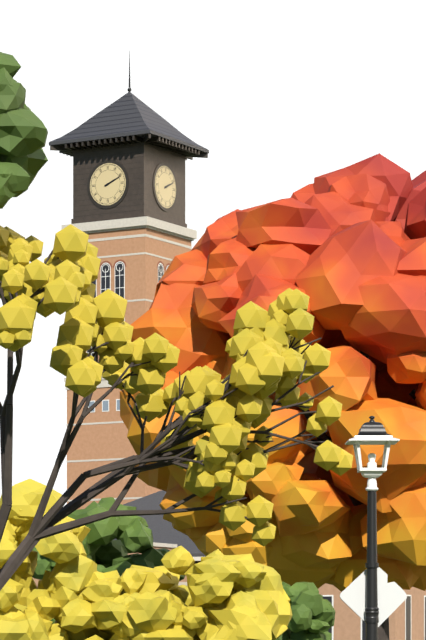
{"hour": 2, "minute": 11}
